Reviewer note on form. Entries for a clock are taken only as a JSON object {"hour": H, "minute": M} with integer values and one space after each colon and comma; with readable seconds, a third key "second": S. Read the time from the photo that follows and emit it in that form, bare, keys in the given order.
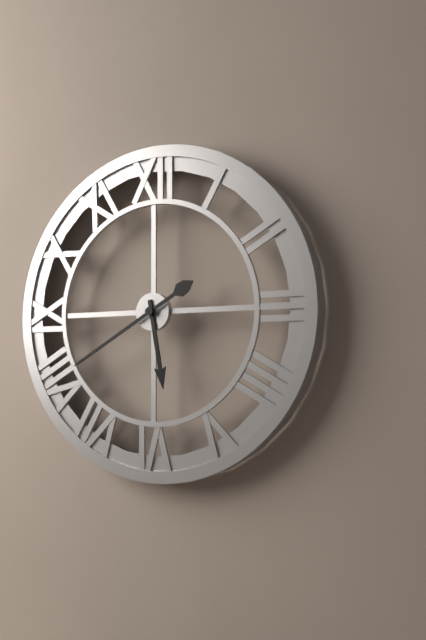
{"hour": 5, "minute": 40}
